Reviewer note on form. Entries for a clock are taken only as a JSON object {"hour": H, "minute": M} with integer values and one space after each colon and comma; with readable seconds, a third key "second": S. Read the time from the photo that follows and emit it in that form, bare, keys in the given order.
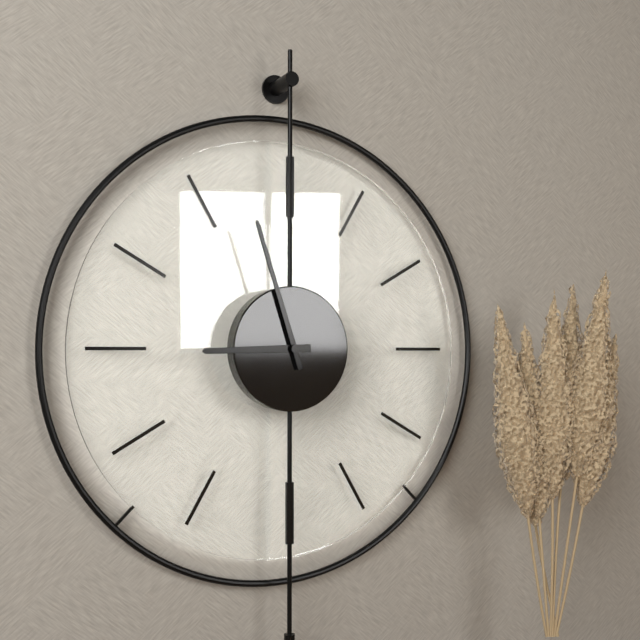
{"hour": 8, "minute": 57}
